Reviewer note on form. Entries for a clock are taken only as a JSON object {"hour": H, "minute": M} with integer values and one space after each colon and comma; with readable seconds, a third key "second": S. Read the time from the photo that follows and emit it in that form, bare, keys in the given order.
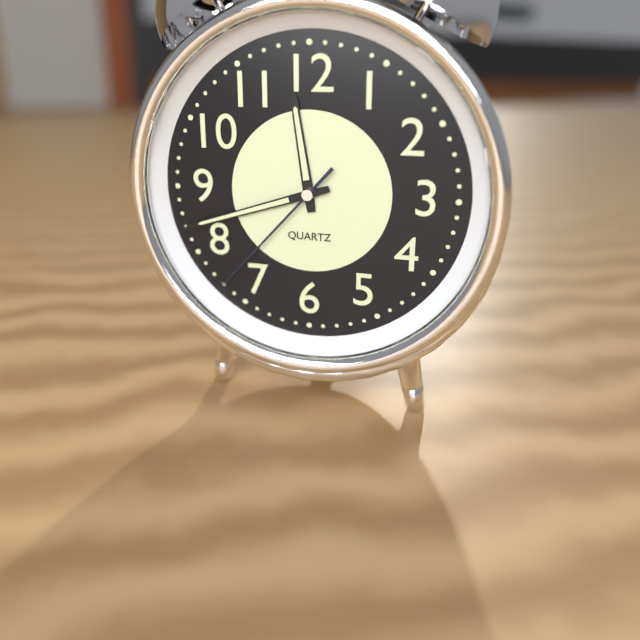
{"hour": 11, "minute": 42, "second": 37}
